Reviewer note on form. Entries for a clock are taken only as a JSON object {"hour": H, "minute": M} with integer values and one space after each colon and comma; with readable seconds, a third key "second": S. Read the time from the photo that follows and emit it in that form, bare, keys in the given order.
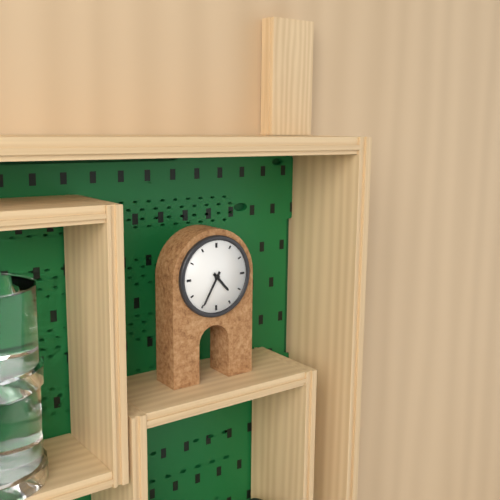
{"hour": 4, "minute": 35}
